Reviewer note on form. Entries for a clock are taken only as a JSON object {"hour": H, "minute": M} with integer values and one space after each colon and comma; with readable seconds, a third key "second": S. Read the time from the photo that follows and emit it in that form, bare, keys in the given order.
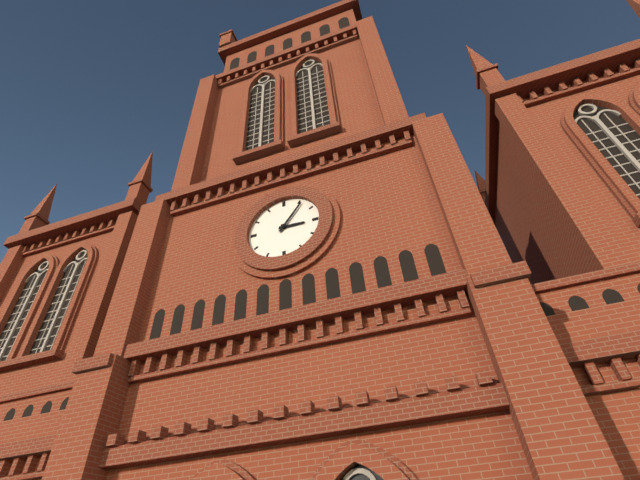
{"hour": 3, "minute": 6}
